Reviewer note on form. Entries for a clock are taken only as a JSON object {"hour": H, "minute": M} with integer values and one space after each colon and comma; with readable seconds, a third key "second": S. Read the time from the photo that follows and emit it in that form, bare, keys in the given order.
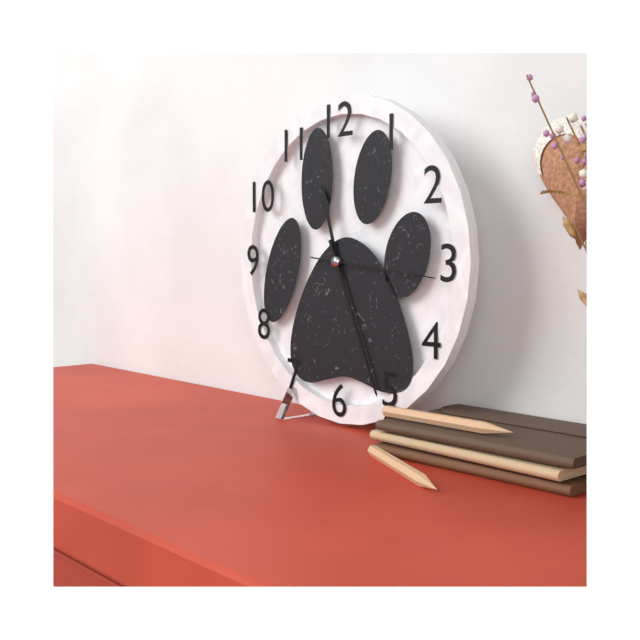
{"hour": 11, "minute": 26, "second": 16}
